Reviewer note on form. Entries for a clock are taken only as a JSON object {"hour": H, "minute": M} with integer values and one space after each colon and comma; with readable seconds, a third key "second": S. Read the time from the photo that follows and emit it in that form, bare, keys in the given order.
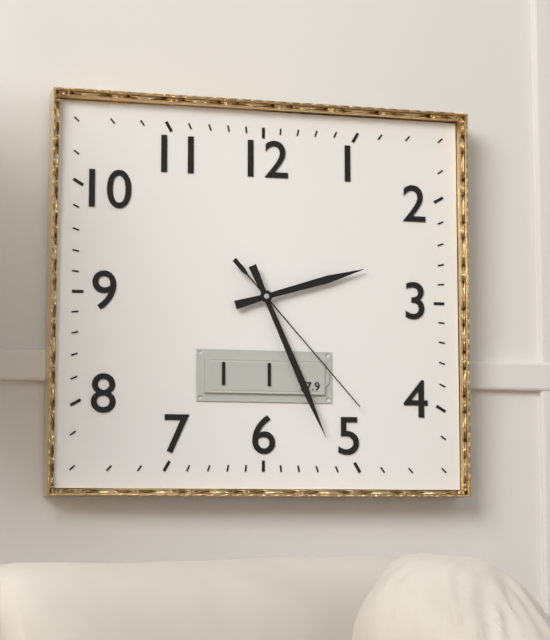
{"hour": 2, "minute": 26, "second": 23}
